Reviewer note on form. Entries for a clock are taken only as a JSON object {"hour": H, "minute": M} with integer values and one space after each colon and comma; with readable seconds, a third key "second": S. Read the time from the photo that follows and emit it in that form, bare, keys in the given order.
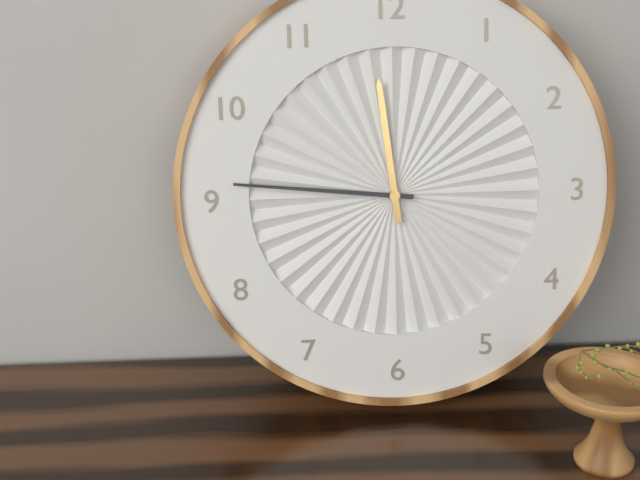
{"hour": 11, "minute": 46}
